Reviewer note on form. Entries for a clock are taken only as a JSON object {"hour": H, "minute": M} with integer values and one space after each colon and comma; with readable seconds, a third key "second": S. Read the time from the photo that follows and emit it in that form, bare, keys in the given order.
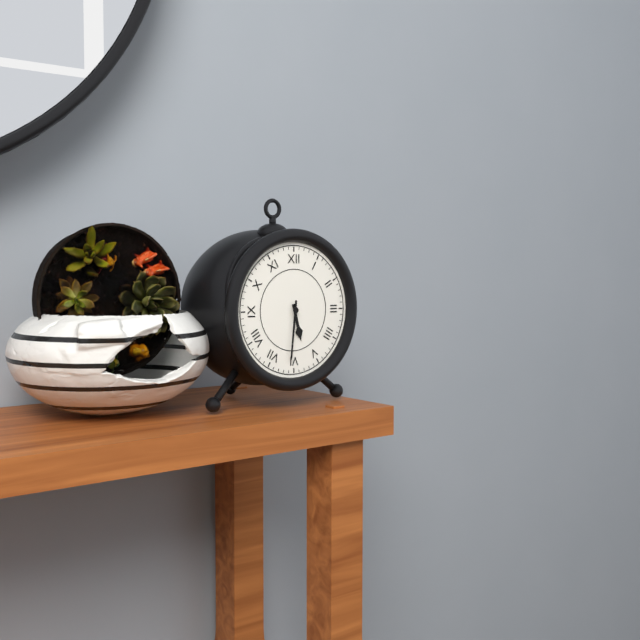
{"hour": 5, "minute": 31}
